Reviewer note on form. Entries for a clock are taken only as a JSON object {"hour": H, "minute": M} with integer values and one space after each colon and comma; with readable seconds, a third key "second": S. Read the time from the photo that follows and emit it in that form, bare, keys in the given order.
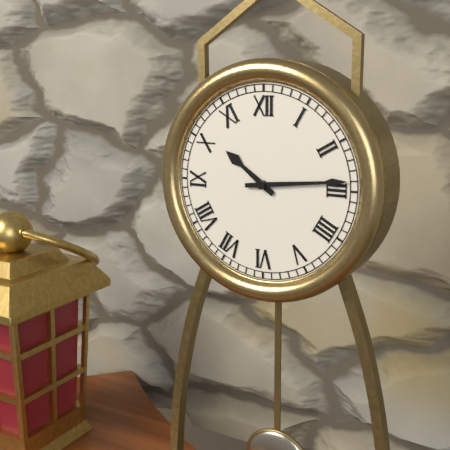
{"hour": 10, "minute": 14}
